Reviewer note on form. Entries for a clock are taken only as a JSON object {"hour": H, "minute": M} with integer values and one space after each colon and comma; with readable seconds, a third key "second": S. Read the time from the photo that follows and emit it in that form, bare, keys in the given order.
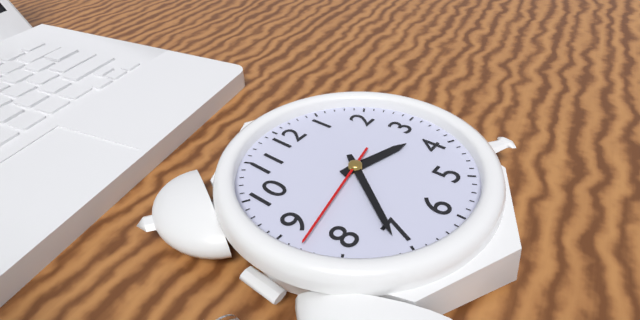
{"hour": 3, "minute": 36, "second": 43}
